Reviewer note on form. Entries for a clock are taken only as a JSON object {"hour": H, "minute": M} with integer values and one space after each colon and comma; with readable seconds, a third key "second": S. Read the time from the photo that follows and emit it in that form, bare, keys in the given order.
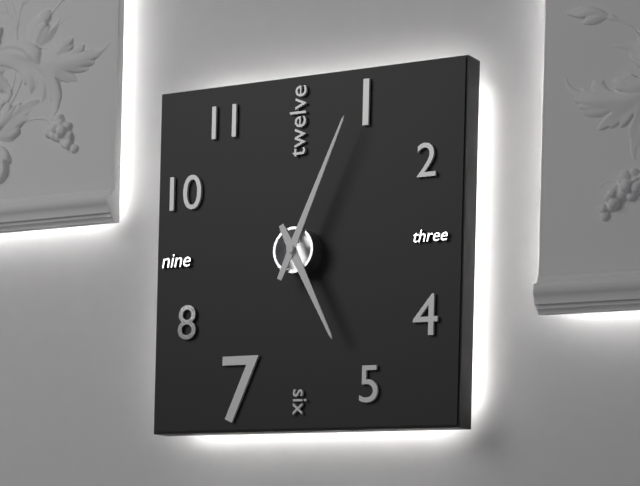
{"hour": 5, "minute": 4}
